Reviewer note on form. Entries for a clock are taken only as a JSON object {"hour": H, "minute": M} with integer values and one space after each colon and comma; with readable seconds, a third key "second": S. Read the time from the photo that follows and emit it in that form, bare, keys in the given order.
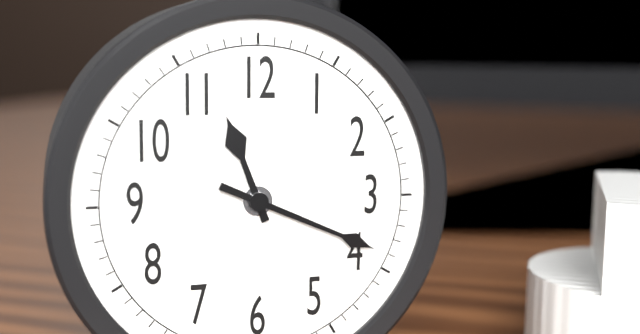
{"hour": 11, "minute": 19}
